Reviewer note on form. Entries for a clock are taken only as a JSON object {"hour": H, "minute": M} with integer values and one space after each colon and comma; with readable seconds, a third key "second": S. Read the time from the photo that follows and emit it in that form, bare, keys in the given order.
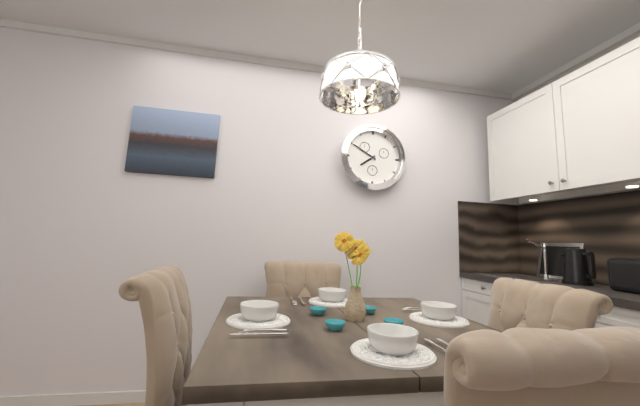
{"hour": 7, "minute": 50}
